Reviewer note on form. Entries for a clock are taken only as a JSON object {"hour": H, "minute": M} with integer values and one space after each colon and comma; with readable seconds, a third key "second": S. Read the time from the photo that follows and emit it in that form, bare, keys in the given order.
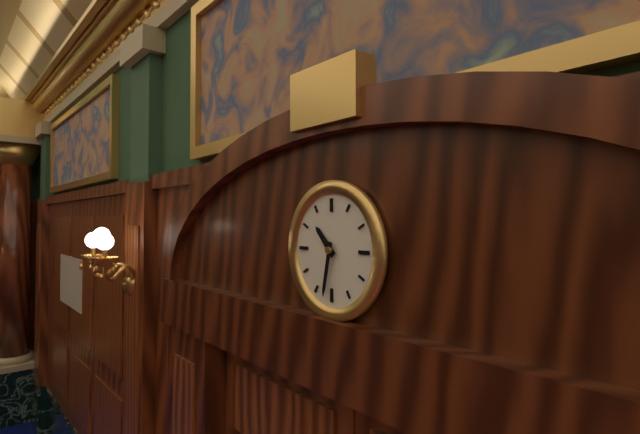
{"hour": 10, "minute": 32}
